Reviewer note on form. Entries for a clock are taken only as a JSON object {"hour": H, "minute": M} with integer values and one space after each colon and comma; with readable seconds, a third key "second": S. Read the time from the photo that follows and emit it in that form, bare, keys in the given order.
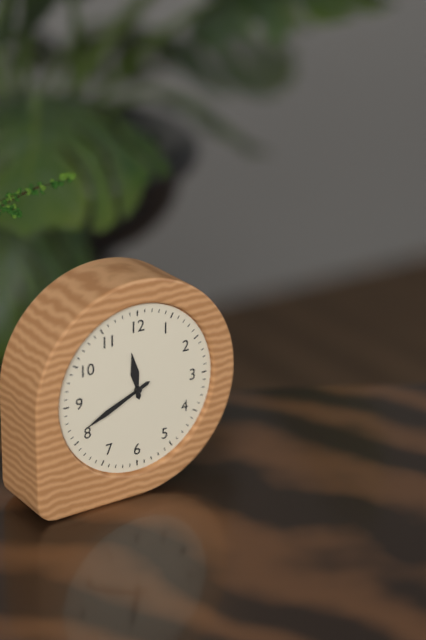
{"hour": 11, "minute": 41}
